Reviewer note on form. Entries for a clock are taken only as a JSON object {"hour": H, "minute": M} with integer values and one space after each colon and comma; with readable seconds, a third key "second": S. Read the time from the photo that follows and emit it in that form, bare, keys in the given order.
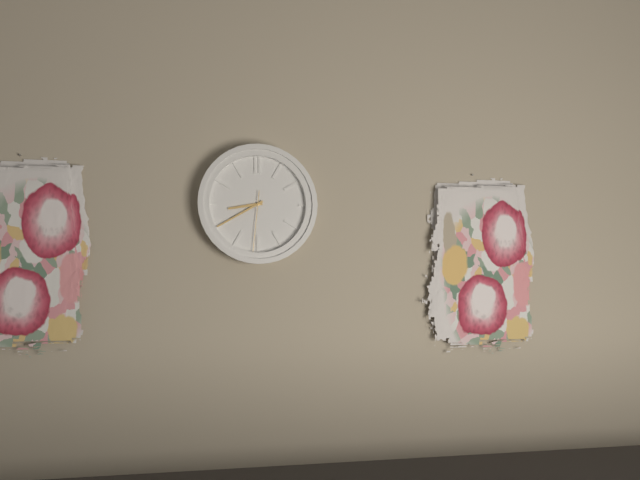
{"hour": 8, "minute": 40, "second": 31}
